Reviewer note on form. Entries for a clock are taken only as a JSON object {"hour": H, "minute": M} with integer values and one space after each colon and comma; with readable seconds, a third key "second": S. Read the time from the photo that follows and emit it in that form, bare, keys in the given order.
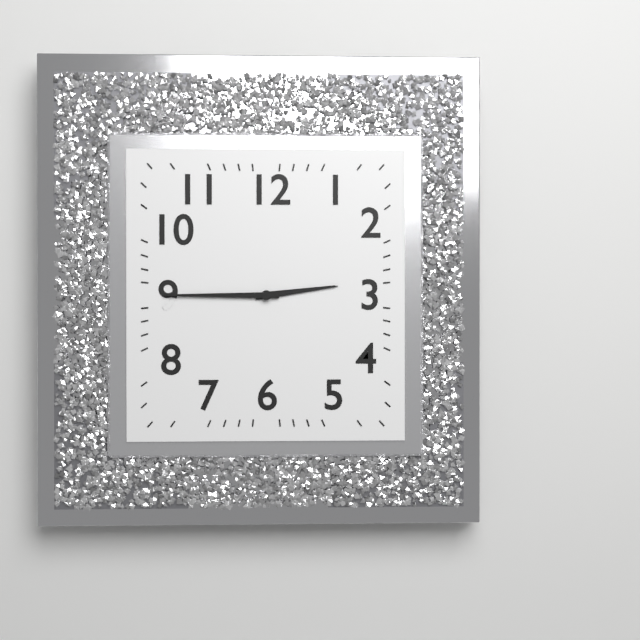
{"hour": 2, "minute": 45}
